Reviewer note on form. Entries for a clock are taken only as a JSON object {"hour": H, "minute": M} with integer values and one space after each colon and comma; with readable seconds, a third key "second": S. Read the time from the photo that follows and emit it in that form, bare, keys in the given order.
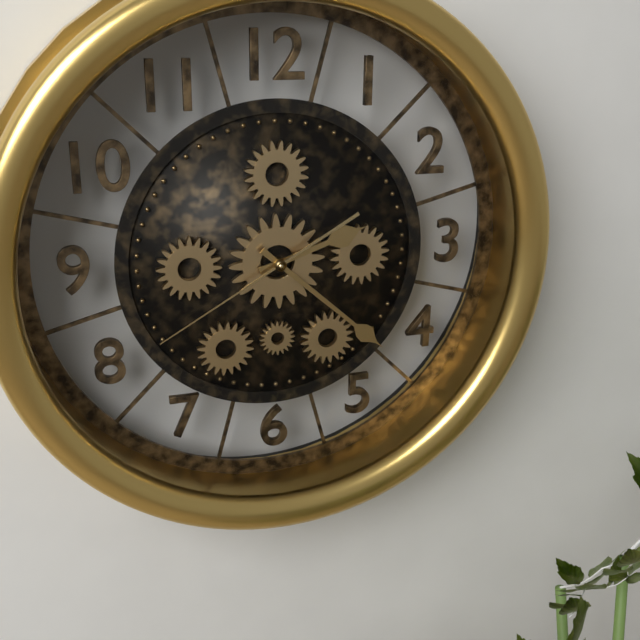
{"hour": 2, "minute": 22, "second": 40}
